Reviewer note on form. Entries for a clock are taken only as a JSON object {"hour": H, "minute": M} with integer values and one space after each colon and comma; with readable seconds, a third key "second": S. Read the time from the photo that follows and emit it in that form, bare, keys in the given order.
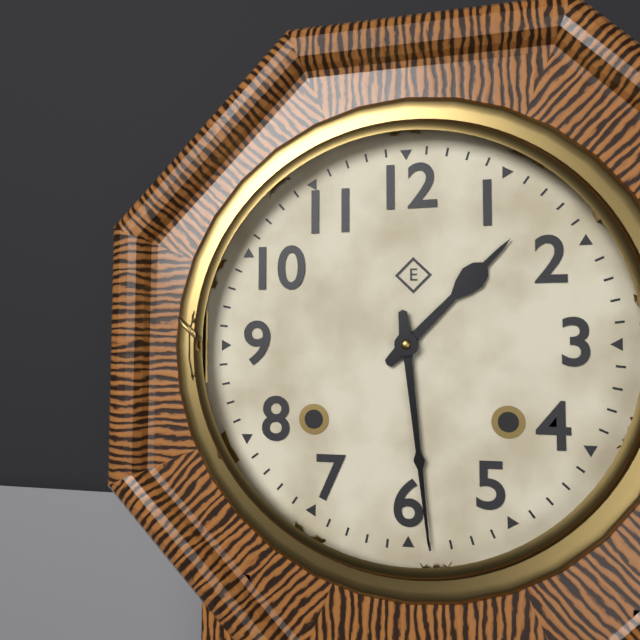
{"hour": 1, "minute": 29}
